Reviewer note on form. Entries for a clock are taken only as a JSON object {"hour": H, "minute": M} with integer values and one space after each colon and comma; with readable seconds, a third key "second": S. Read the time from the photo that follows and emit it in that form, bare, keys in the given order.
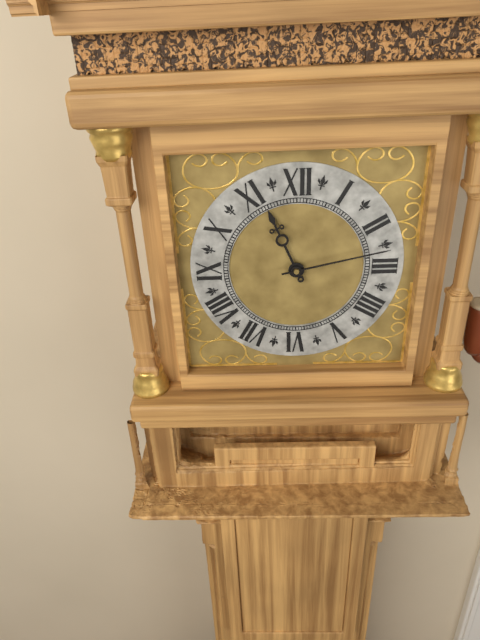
{"hour": 11, "minute": 13}
